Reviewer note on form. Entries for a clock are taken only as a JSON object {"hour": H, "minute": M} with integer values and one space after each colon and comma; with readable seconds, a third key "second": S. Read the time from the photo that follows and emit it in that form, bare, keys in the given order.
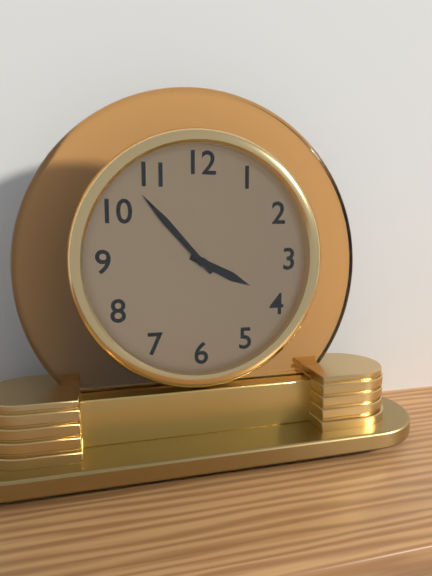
{"hour": 3, "minute": 53}
